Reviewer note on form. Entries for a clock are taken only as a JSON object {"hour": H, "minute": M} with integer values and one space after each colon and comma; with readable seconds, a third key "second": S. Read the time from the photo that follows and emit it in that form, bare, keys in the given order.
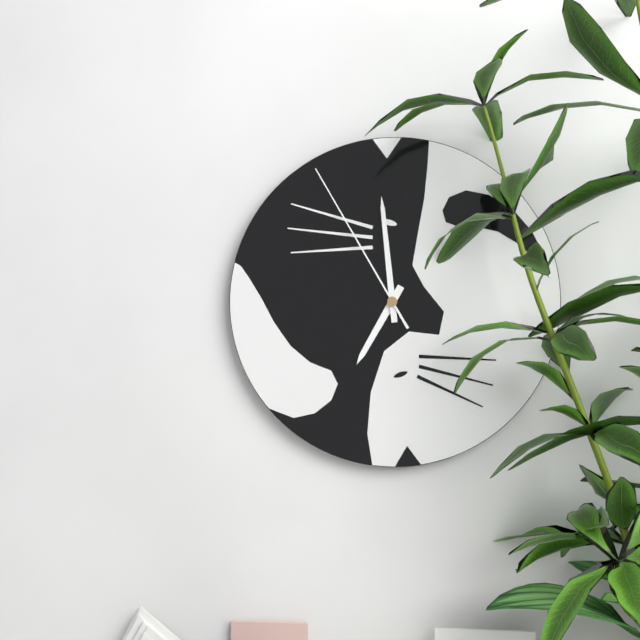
{"hour": 6, "minute": 59, "second": 55}
